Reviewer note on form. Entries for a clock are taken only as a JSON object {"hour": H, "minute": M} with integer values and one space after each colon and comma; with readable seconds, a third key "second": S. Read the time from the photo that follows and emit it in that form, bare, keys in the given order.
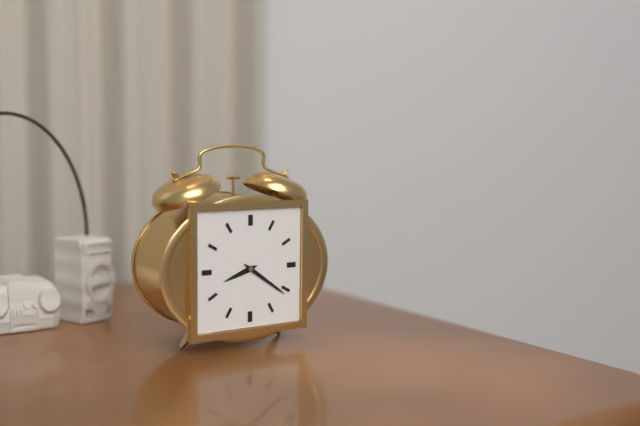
{"hour": 8, "minute": 21}
